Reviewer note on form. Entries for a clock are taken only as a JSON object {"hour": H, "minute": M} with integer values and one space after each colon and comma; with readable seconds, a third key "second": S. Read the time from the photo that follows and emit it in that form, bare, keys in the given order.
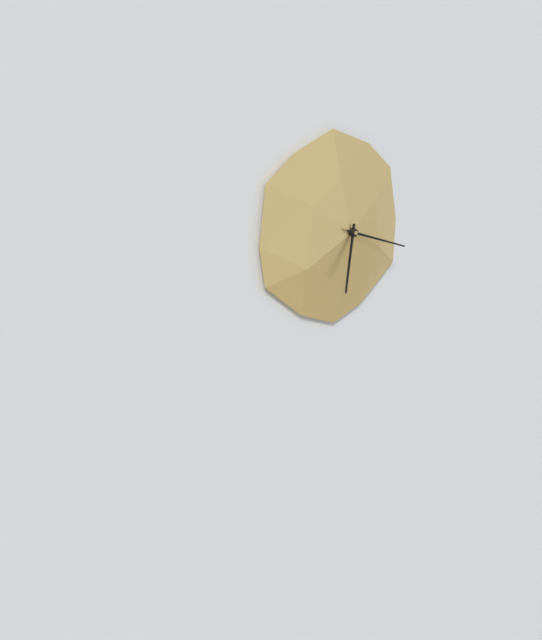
{"hour": 6, "minute": 18}
